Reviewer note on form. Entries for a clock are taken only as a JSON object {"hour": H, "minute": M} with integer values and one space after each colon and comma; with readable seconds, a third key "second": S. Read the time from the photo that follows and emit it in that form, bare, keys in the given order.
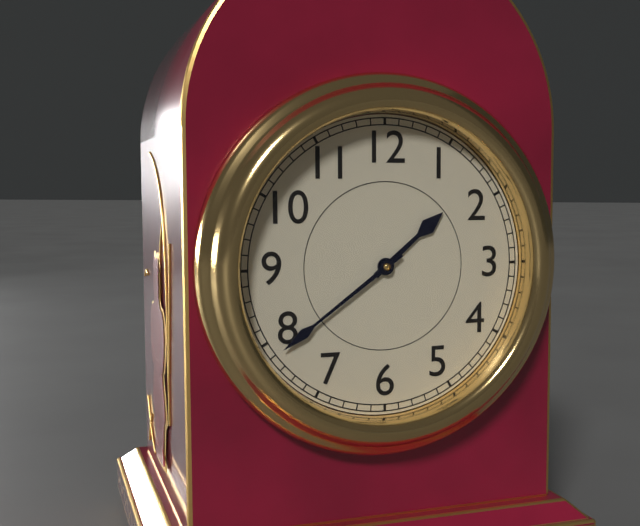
{"hour": 1, "minute": 39}
